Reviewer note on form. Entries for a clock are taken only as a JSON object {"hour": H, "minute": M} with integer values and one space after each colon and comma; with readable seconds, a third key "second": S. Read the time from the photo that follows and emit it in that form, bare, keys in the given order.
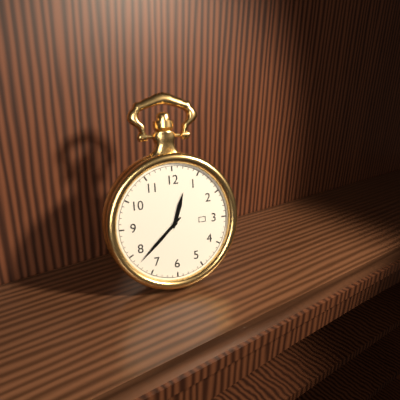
{"hour": 12, "minute": 38}
